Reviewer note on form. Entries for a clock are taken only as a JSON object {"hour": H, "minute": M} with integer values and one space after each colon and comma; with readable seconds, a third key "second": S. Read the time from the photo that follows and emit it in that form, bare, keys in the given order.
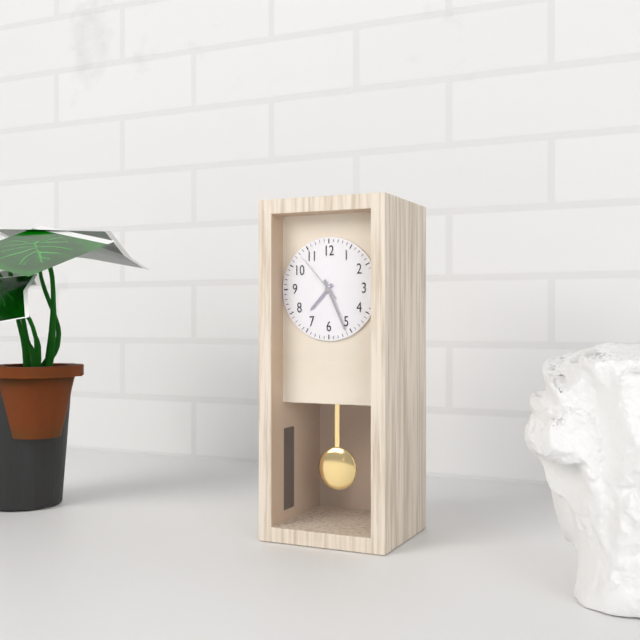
{"hour": 7, "minute": 26, "second": 53}
